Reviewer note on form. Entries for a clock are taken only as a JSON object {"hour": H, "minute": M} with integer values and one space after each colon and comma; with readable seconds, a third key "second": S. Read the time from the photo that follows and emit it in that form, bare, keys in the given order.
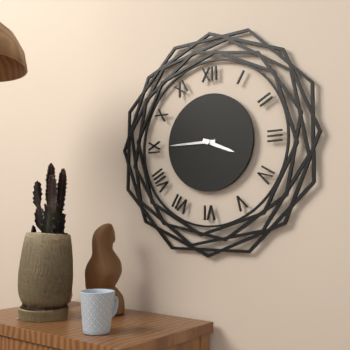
{"hour": 3, "minute": 45}
